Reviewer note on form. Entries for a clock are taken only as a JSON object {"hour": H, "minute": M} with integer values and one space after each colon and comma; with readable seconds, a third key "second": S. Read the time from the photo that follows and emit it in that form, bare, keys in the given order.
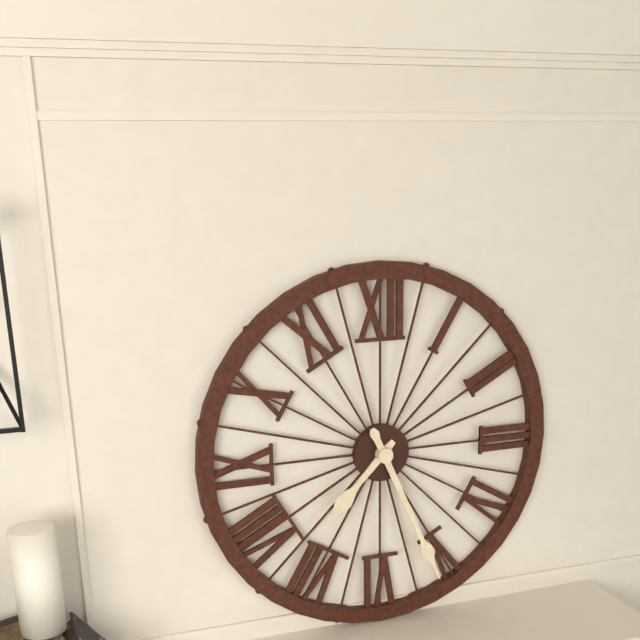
{"hour": 7, "minute": 26}
